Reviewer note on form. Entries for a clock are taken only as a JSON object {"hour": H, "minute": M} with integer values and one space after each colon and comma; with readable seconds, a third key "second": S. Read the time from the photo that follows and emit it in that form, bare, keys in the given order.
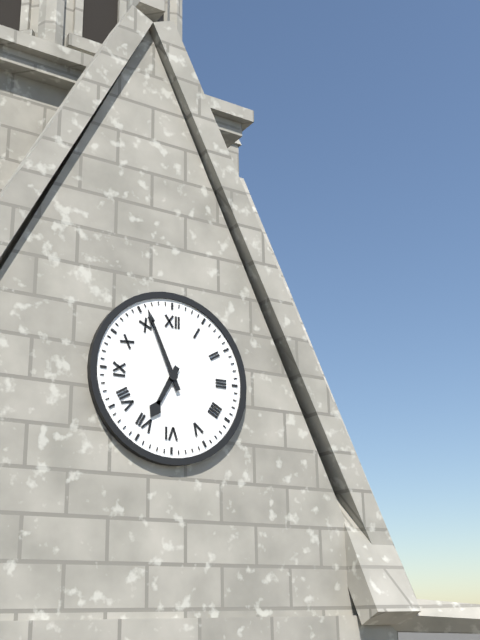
{"hour": 6, "minute": 56}
